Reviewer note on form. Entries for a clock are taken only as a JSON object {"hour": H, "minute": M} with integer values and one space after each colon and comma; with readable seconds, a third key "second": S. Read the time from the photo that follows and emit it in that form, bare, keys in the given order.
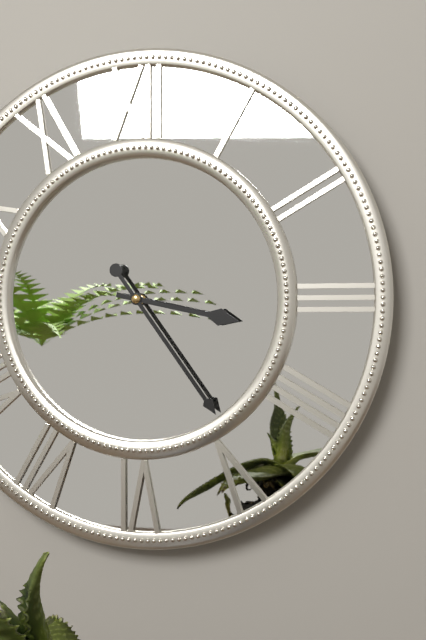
{"hour": 3, "minute": 24}
